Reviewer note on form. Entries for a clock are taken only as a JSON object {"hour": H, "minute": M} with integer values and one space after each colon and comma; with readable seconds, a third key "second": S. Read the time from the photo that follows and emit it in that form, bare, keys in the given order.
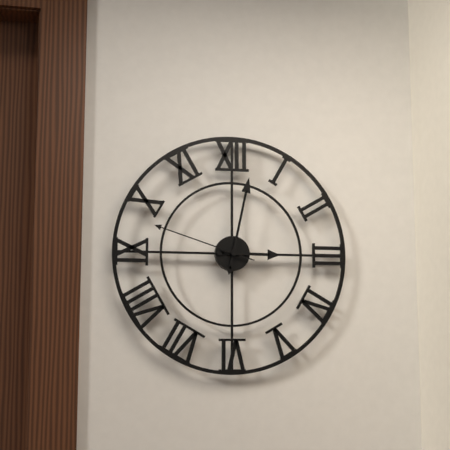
{"hour": 3, "minute": 2, "second": 48}
